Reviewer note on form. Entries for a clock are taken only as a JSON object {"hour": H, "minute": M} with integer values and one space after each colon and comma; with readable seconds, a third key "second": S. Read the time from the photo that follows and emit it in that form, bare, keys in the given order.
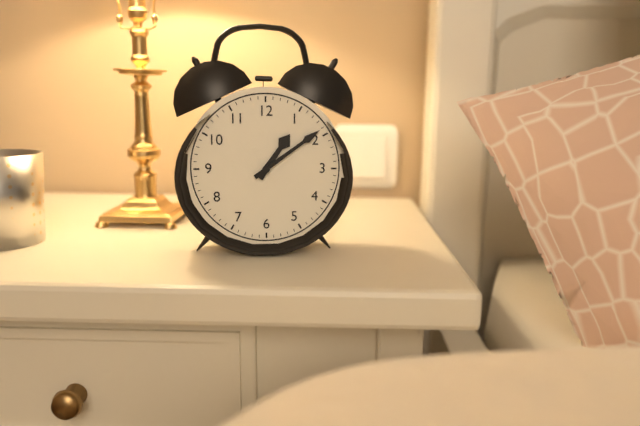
{"hour": 1, "minute": 9}
